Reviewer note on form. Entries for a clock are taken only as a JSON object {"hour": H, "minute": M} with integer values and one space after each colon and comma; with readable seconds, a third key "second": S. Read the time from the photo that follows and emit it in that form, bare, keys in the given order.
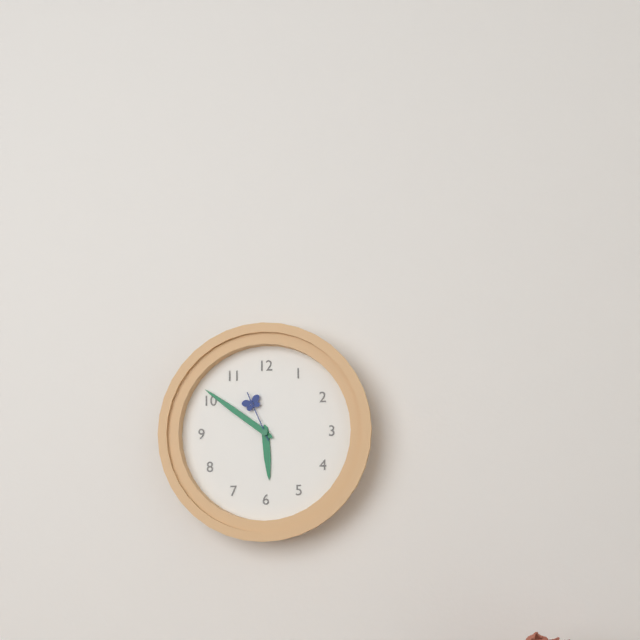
{"hour": 5, "minute": 51, "second": 56}
